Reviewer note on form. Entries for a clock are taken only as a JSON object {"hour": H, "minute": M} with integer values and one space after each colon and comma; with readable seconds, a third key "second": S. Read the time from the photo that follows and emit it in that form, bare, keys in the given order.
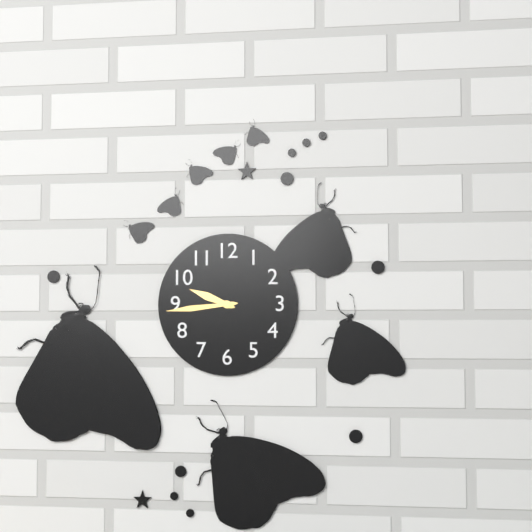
{"hour": 9, "minute": 44}
